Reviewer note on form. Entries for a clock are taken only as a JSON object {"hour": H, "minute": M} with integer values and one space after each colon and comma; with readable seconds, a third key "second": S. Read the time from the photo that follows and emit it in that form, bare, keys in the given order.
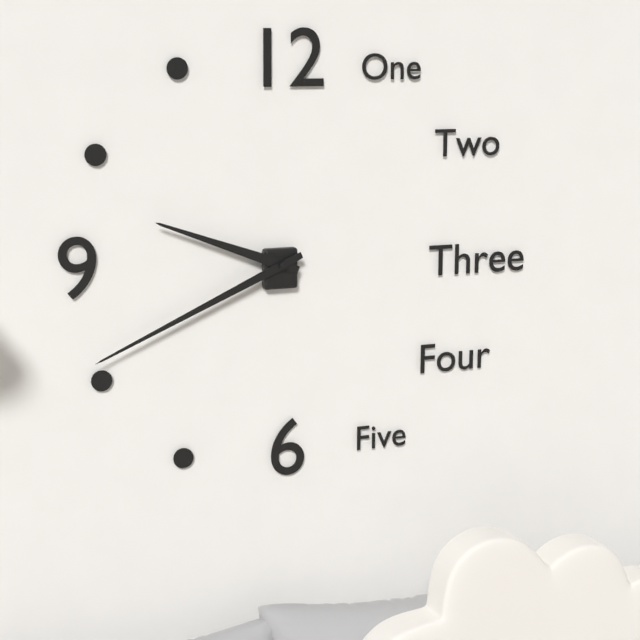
{"hour": 9, "minute": 41}
